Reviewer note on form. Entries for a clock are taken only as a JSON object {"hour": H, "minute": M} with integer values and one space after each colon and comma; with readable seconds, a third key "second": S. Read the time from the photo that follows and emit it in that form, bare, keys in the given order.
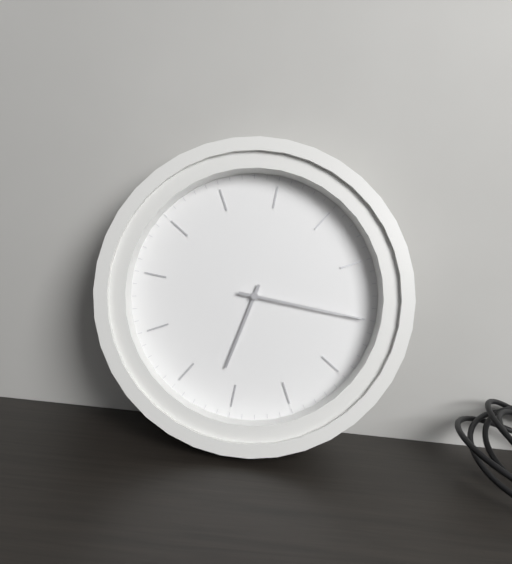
{"hour": 7, "minute": 20}
